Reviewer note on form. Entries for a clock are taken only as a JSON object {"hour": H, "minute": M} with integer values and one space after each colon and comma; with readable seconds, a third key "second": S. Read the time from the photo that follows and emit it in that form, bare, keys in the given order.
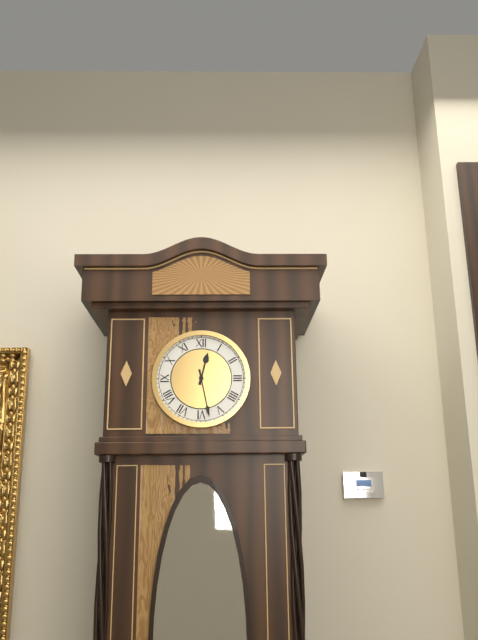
{"hour": 12, "minute": 28}
